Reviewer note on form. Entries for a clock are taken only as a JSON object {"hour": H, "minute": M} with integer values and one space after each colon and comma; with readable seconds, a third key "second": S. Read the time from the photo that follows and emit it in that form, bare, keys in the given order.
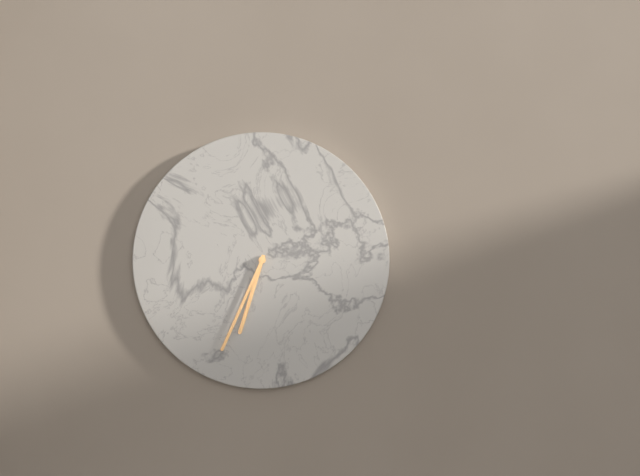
{"hour": 6, "minute": 34}
